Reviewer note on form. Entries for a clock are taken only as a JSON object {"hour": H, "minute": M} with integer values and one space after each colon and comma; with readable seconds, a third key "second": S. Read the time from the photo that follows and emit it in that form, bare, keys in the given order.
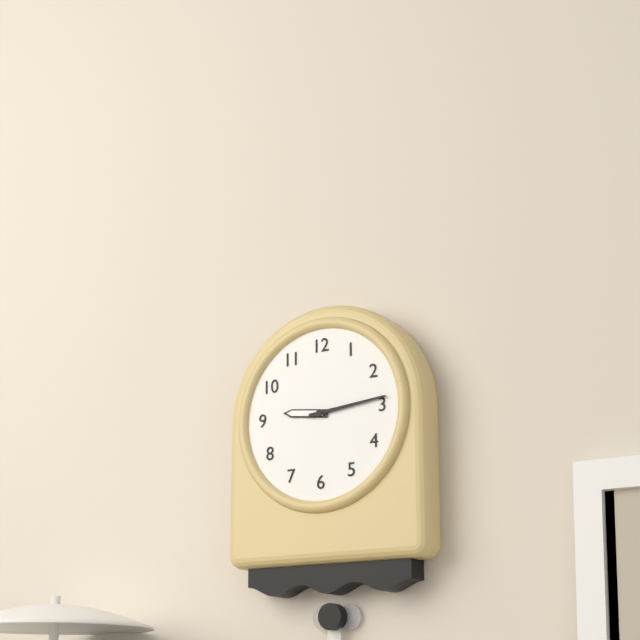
{"hour": 9, "minute": 14}
